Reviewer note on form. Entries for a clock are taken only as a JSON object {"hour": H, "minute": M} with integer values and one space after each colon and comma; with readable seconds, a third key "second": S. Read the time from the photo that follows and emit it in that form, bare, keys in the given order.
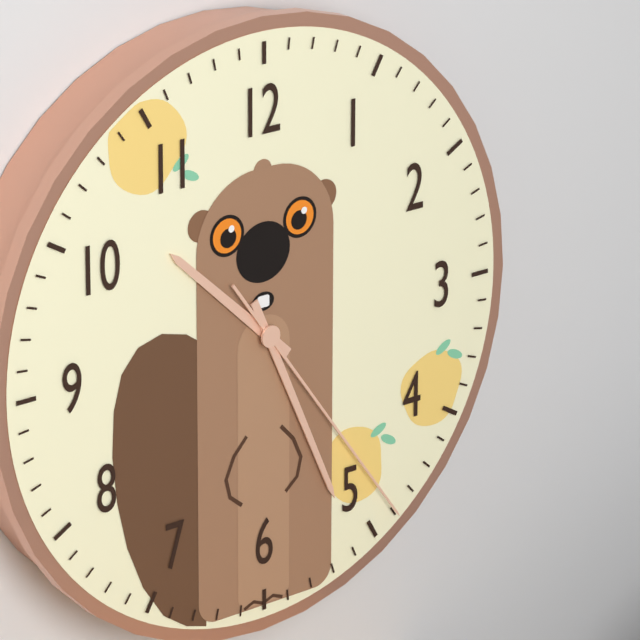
{"hour": 10, "minute": 26, "second": 24}
